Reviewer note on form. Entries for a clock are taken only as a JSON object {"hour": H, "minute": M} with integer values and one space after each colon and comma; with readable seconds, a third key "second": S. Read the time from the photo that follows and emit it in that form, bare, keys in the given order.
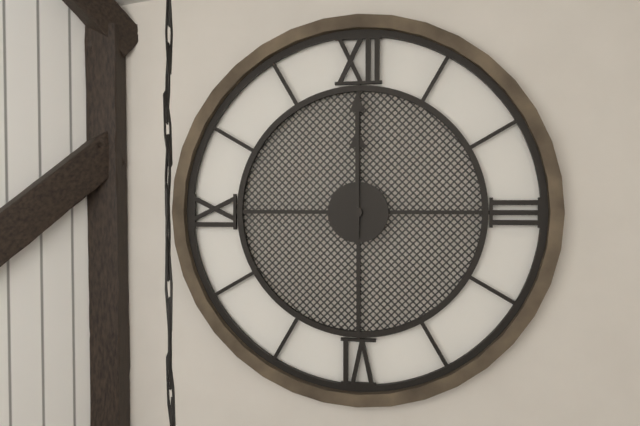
{"hour": 12, "minute": 0}
